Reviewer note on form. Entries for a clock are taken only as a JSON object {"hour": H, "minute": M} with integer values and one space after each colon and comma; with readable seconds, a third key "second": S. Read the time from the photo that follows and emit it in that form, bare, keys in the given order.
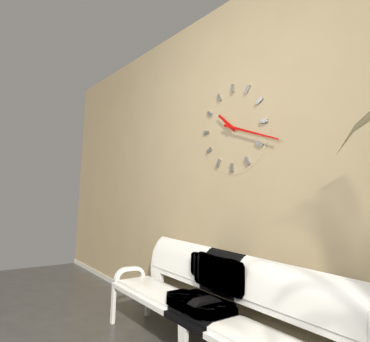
{"hour": 10, "minute": 18}
